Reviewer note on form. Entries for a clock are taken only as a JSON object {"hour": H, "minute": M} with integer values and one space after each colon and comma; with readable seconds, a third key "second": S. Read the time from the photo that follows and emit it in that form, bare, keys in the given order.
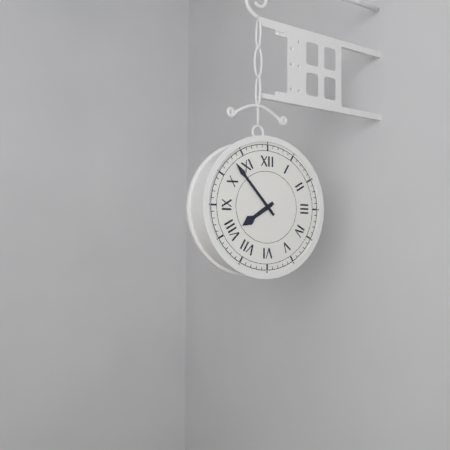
{"hour": 7, "minute": 53}
